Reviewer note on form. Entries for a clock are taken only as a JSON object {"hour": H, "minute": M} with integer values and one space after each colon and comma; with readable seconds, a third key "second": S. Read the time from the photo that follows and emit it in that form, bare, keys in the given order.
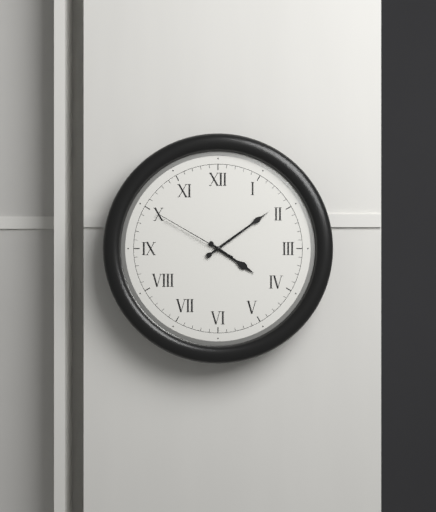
{"hour": 4, "minute": 9, "second": 50}
